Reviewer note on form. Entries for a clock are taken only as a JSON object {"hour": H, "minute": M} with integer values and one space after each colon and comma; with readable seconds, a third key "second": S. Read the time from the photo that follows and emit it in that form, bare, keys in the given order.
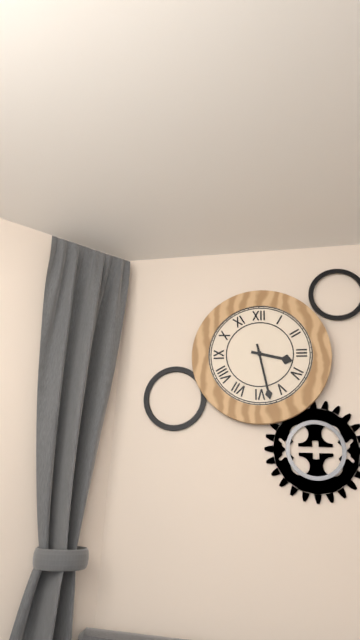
{"hour": 3, "minute": 28}
